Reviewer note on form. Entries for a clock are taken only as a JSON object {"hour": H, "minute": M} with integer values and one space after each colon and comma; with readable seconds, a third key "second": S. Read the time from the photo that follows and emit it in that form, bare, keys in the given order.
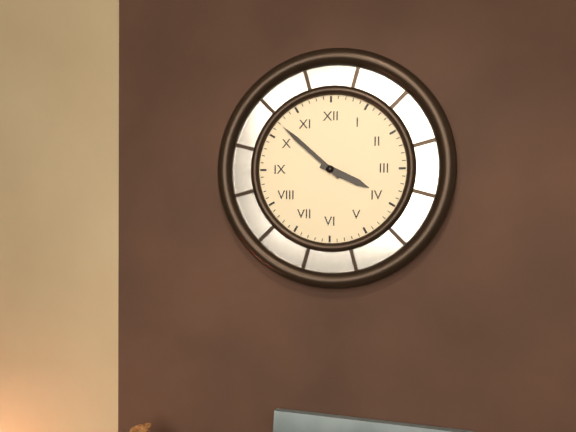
{"hour": 3, "minute": 52}
